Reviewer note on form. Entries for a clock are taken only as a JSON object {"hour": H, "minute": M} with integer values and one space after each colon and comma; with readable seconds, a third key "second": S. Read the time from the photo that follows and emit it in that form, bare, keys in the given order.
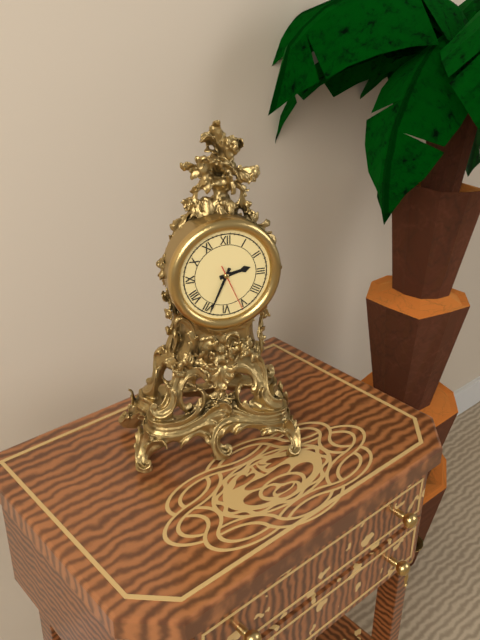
{"hour": 2, "minute": 34}
